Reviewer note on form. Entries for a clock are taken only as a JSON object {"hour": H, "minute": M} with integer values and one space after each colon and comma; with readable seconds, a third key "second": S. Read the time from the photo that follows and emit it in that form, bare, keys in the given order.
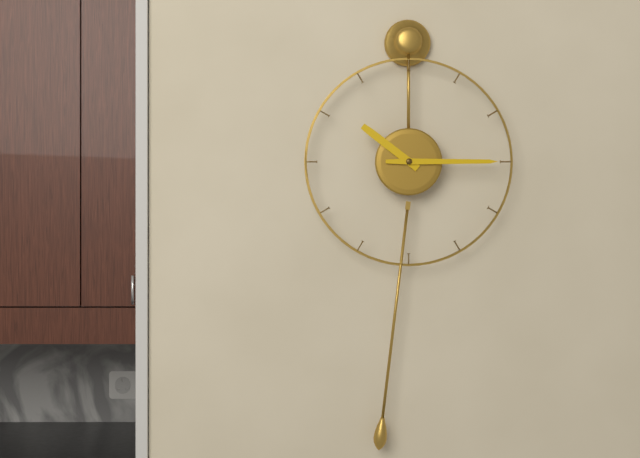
{"hour": 10, "minute": 15}
